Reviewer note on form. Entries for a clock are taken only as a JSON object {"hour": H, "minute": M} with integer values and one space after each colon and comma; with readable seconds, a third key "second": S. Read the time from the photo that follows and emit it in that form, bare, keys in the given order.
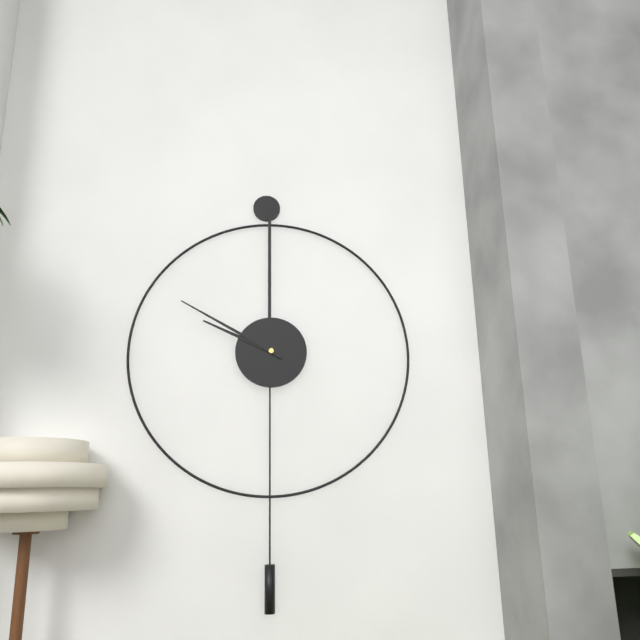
{"hour": 9, "minute": 50}
